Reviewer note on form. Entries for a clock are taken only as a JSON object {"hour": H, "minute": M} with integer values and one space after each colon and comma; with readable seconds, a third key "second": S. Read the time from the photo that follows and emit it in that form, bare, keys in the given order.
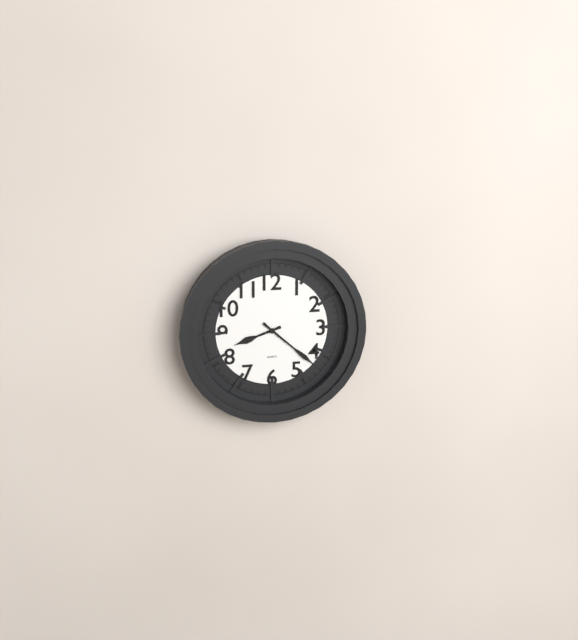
{"hour": 8, "minute": 22}
